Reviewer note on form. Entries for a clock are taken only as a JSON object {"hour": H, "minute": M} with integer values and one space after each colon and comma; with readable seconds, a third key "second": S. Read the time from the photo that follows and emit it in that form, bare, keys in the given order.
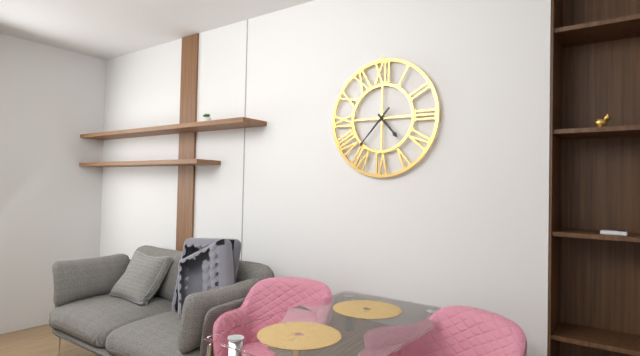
{"hour": 4, "minute": 37}
